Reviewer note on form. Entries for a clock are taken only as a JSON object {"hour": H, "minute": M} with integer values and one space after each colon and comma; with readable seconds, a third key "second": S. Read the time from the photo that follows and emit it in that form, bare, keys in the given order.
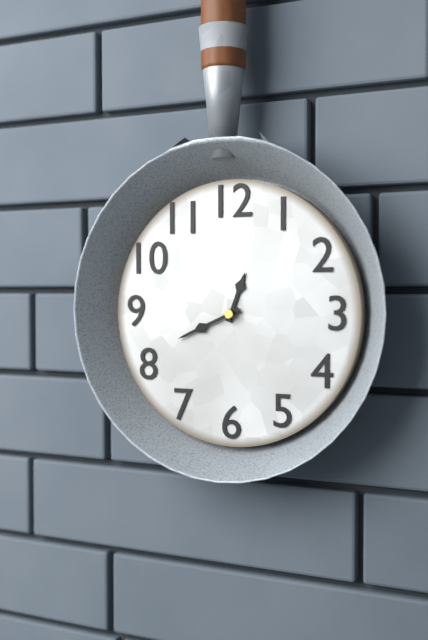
{"hour": 12, "minute": 41}
